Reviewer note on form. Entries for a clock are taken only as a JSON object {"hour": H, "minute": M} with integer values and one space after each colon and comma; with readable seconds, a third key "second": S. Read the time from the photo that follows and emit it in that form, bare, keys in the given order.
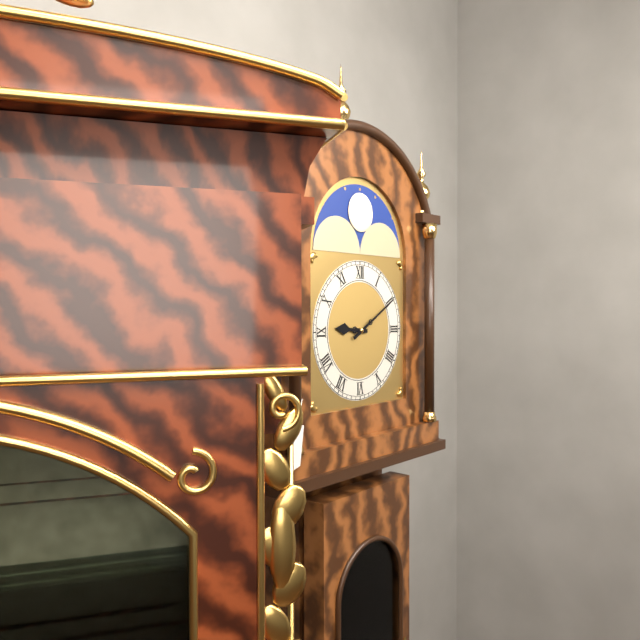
{"hour": 9, "minute": 10}
